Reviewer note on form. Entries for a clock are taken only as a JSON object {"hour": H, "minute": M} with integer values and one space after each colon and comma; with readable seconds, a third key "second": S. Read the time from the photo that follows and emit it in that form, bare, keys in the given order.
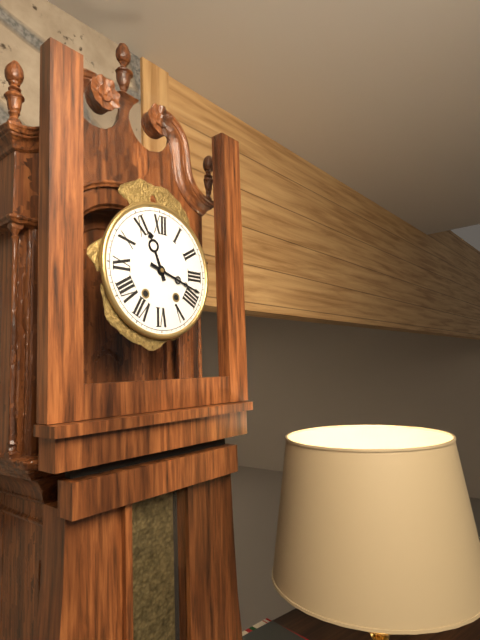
{"hour": 11, "minute": 18}
